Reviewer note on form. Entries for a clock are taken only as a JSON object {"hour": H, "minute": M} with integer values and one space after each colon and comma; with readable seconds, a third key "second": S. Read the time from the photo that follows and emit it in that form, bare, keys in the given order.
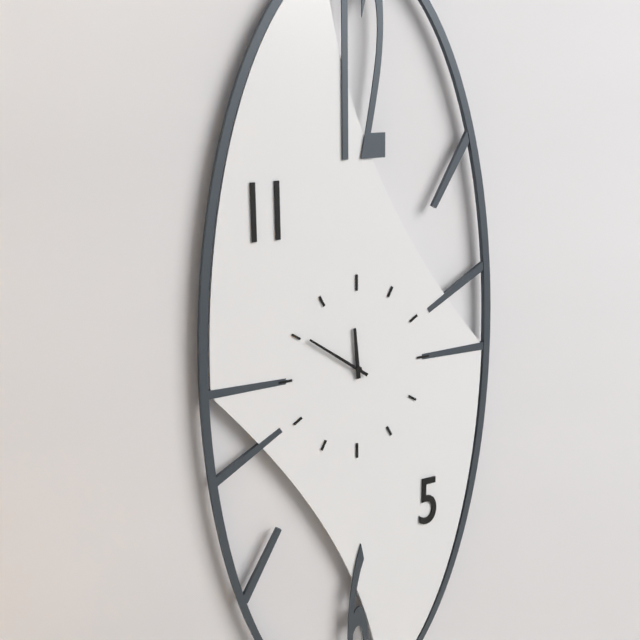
{"hour": 11, "minute": 51}
